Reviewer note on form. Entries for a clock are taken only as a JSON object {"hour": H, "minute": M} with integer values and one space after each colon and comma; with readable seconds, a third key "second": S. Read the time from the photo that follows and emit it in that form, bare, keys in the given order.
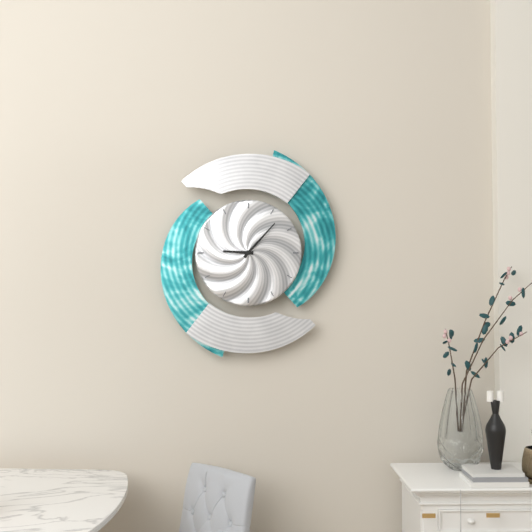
{"hour": 9, "minute": 7}
